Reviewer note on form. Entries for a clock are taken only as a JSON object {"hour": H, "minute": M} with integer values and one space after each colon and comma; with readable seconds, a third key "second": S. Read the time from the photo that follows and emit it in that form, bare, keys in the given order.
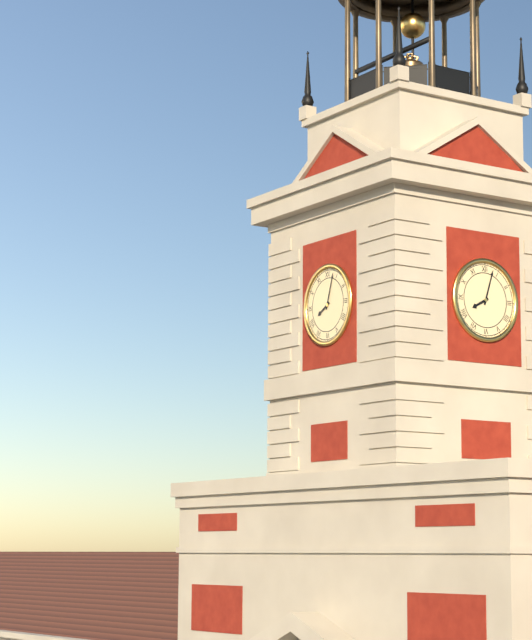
{"hour": 8, "minute": 3}
